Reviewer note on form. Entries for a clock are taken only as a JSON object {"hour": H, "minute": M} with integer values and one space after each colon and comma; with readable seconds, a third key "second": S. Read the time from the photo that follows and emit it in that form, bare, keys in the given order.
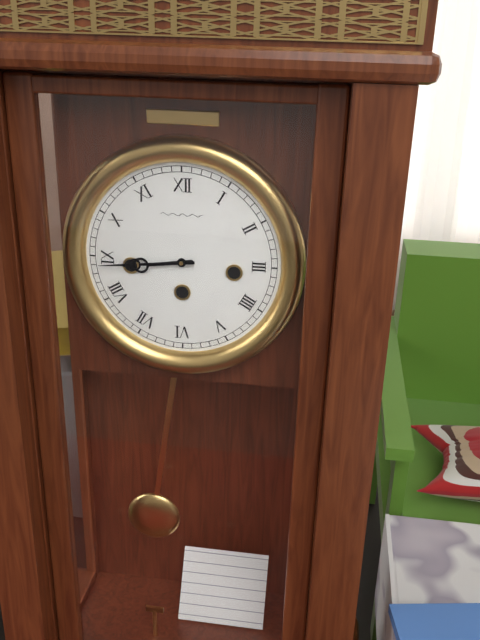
{"hour": 8, "minute": 44}
